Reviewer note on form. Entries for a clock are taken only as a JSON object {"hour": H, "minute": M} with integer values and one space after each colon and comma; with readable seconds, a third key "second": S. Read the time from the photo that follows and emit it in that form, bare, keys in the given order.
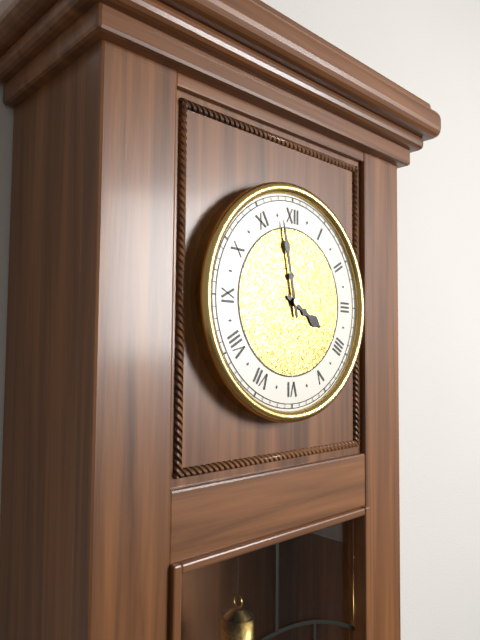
{"hour": 3, "minute": 58}
